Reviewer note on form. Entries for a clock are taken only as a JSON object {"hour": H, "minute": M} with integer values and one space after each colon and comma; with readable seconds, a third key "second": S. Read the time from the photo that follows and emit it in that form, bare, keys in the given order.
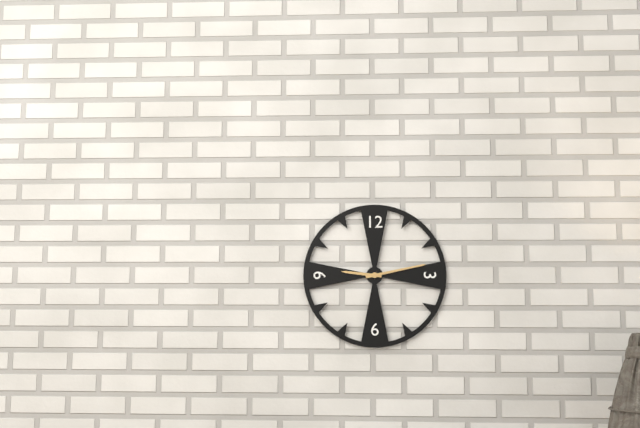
{"hour": 9, "minute": 13}
